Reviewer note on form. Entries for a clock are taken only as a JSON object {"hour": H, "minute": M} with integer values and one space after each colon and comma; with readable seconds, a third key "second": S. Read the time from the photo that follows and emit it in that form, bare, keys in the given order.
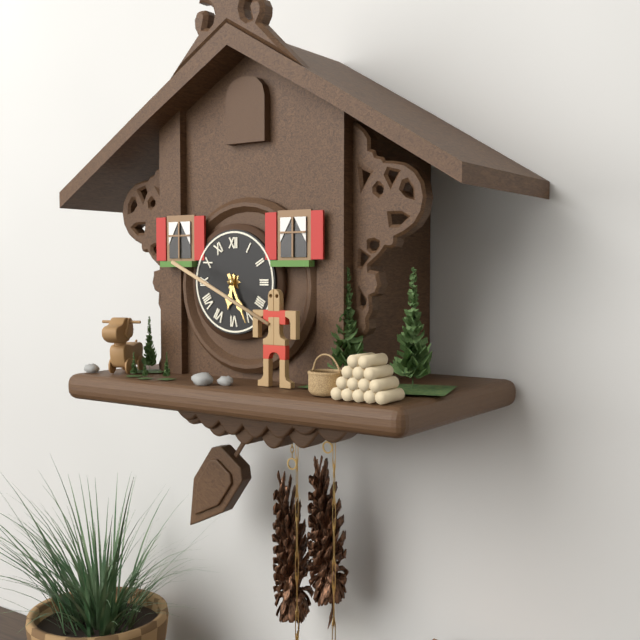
{"hour": 6, "minute": 26}
